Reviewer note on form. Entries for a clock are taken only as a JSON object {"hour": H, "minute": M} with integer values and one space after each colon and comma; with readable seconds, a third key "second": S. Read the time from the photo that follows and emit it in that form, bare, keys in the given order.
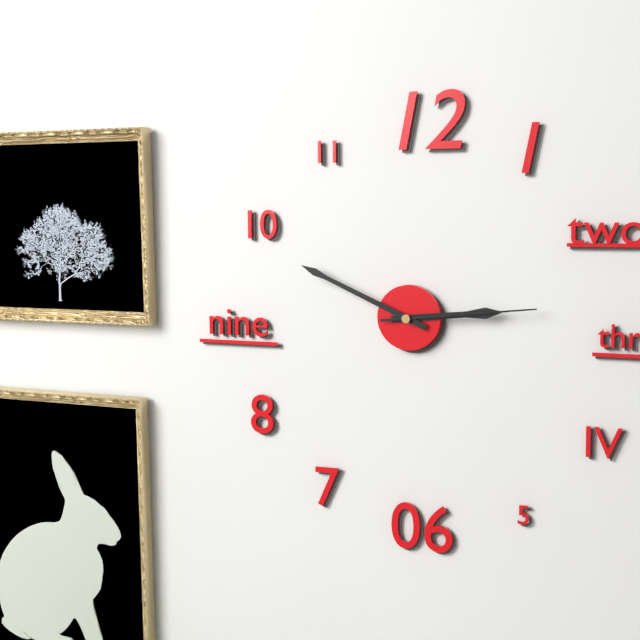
{"hour": 2, "minute": 49, "second": 14}
